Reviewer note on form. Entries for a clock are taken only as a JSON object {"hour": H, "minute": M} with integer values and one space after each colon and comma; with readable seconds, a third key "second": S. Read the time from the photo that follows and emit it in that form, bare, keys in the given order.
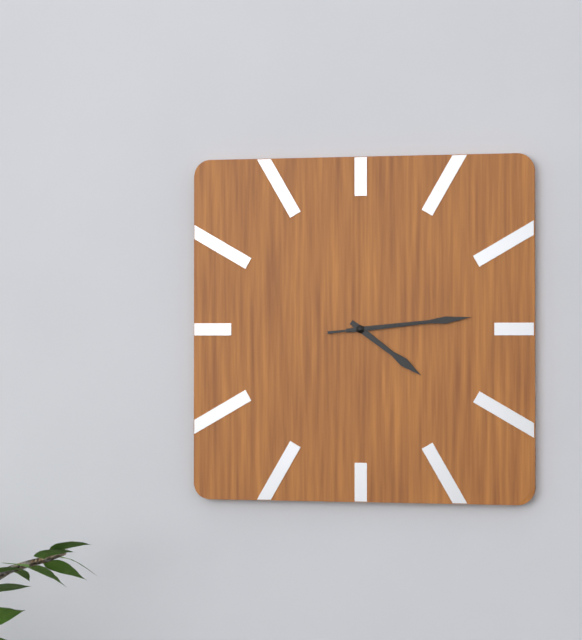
{"hour": 4, "minute": 14, "second": 14}
